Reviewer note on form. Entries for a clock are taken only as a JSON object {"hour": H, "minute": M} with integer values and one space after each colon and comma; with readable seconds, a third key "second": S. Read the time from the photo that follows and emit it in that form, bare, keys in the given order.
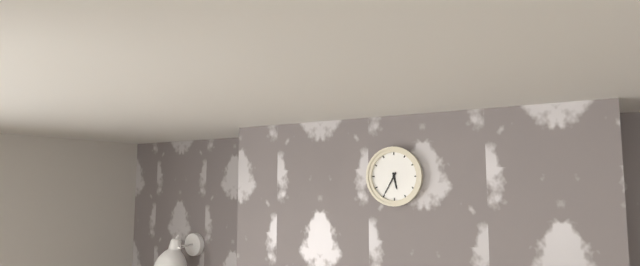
{"hour": 5, "minute": 35}
